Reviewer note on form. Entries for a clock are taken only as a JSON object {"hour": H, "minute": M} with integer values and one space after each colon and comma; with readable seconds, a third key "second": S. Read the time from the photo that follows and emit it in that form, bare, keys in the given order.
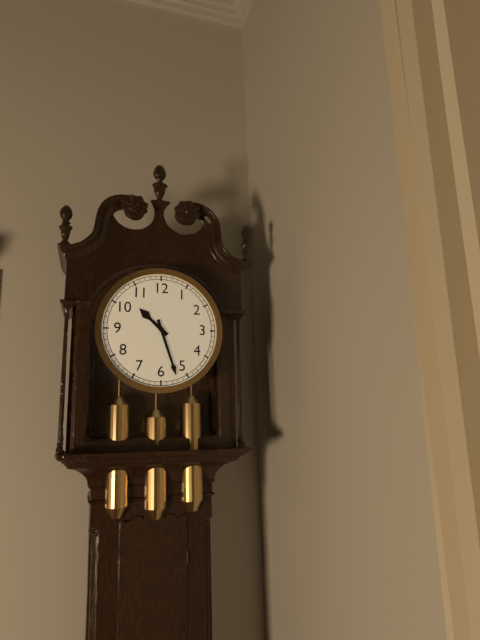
{"hour": 10, "minute": 27}
